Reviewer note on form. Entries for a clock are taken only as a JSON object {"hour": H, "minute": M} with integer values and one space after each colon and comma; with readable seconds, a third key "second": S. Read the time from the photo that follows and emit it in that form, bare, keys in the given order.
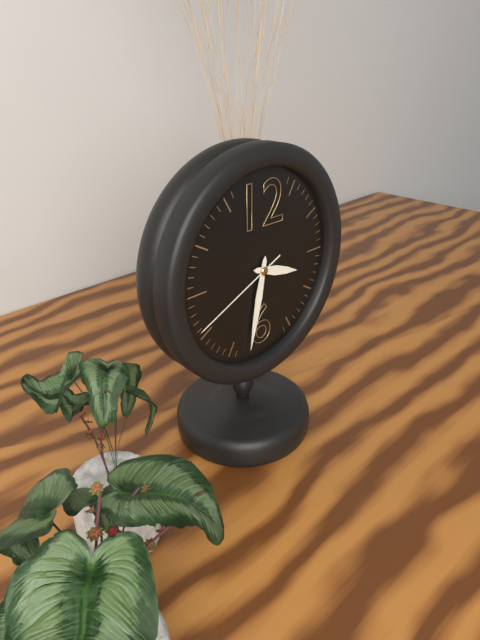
{"hour": 3, "minute": 32, "second": 41}
